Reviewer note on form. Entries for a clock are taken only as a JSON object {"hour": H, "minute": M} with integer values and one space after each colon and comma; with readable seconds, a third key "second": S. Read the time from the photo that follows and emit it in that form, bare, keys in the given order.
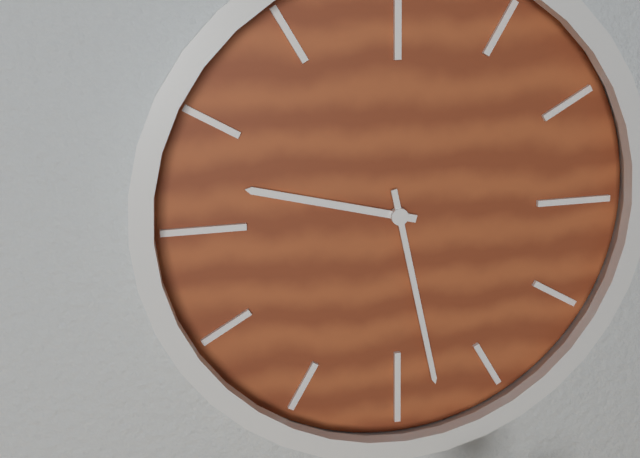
{"hour": 9, "minute": 28}
